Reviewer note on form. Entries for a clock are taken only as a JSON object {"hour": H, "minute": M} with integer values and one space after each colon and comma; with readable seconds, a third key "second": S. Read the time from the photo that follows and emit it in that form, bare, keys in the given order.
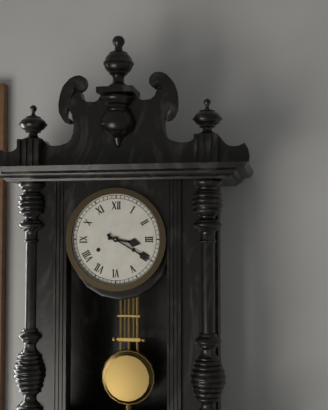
{"hour": 3, "minute": 20}
